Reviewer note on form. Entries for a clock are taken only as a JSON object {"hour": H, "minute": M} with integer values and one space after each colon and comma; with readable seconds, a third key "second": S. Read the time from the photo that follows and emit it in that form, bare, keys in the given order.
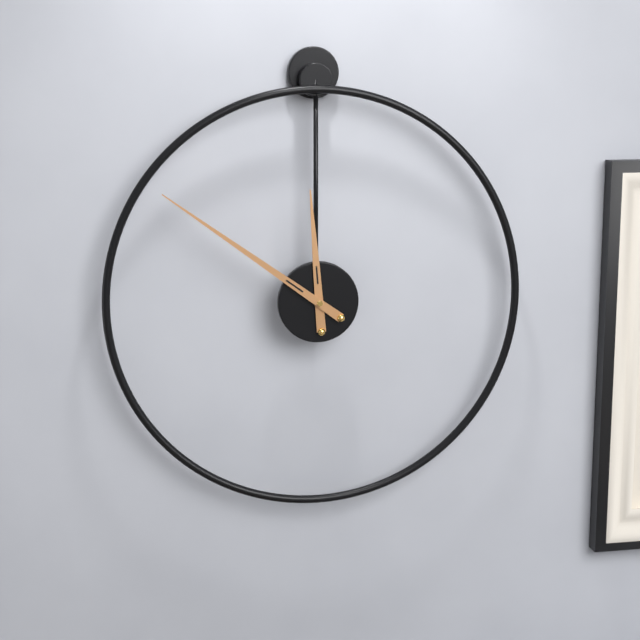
{"hour": 11, "minute": 51}
